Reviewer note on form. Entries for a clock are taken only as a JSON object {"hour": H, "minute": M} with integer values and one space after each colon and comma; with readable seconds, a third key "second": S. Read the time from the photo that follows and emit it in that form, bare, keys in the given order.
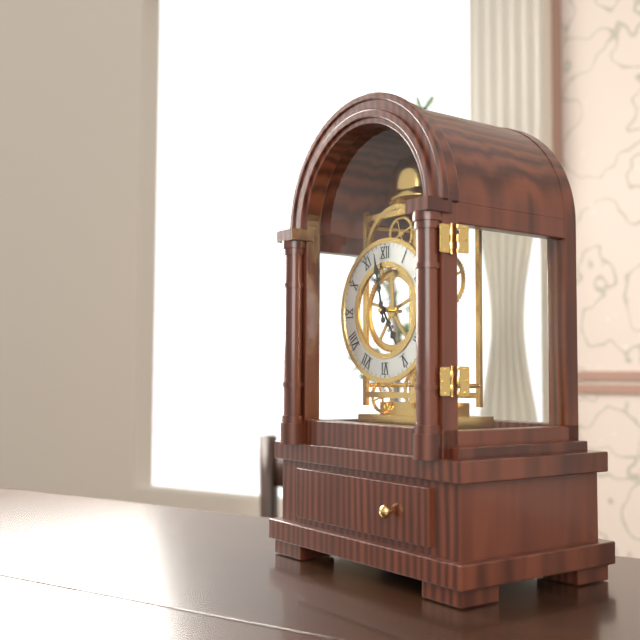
{"hour": 4, "minute": 58}
